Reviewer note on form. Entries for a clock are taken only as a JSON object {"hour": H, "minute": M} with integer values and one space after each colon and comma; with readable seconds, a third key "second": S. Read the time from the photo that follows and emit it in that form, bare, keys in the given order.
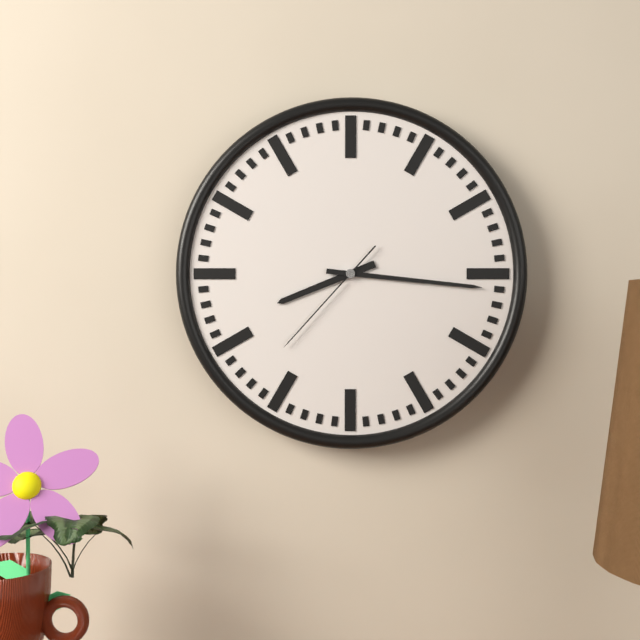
{"hour": 8, "minute": 16, "second": 37}
